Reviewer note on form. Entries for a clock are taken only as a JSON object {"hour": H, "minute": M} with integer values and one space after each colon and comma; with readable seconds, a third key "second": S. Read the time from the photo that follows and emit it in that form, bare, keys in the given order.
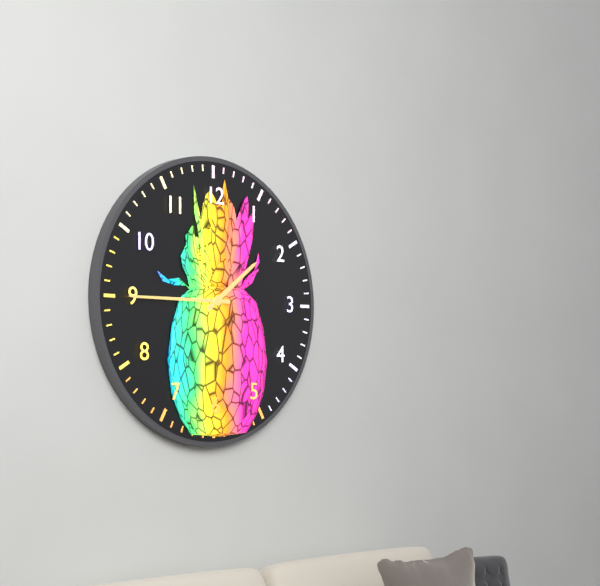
{"hour": 1, "minute": 45}
